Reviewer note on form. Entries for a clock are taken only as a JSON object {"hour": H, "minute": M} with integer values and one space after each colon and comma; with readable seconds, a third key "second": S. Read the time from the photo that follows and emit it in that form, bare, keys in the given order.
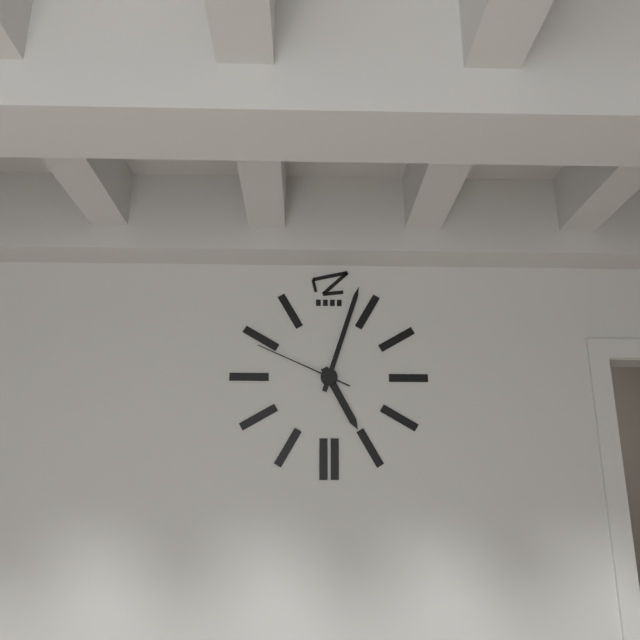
{"hour": 5, "minute": 3, "second": 49}
